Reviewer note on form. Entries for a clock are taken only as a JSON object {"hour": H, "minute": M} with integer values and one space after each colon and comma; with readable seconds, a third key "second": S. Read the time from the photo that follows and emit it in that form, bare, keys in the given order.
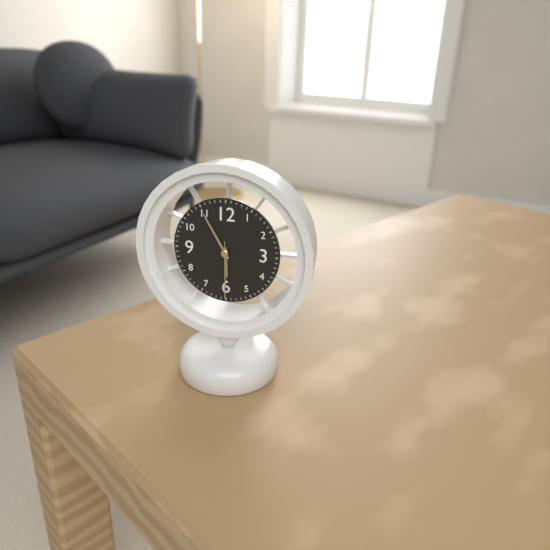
{"hour": 5, "minute": 55, "second": 30}
